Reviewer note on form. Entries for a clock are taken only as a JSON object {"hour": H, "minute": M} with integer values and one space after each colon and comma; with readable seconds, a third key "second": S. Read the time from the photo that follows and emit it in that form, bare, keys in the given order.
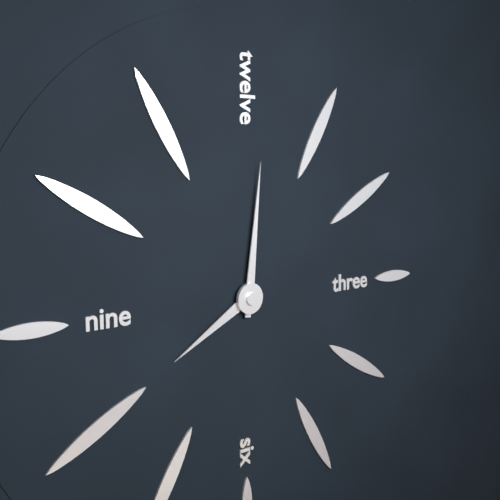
{"hour": 8, "minute": 1}
